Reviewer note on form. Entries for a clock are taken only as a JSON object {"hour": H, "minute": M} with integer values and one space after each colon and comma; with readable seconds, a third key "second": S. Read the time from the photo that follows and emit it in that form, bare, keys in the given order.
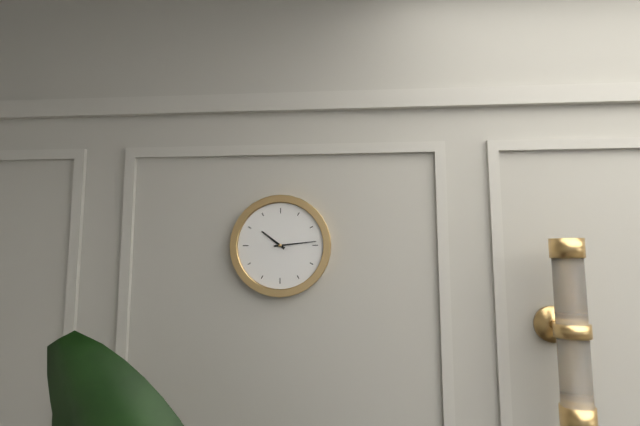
{"hour": 10, "minute": 14}
